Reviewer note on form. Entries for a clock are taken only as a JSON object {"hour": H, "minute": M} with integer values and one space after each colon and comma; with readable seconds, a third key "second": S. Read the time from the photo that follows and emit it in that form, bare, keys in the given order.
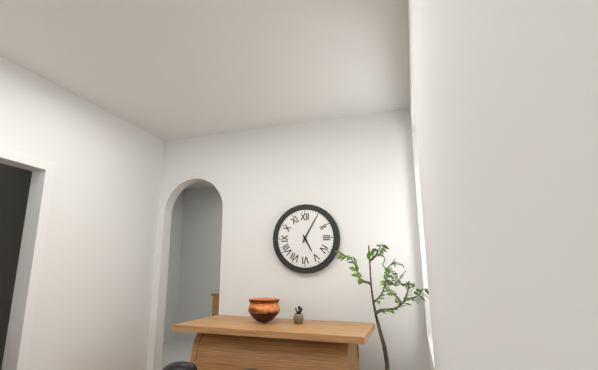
{"hour": 5, "minute": 5}
